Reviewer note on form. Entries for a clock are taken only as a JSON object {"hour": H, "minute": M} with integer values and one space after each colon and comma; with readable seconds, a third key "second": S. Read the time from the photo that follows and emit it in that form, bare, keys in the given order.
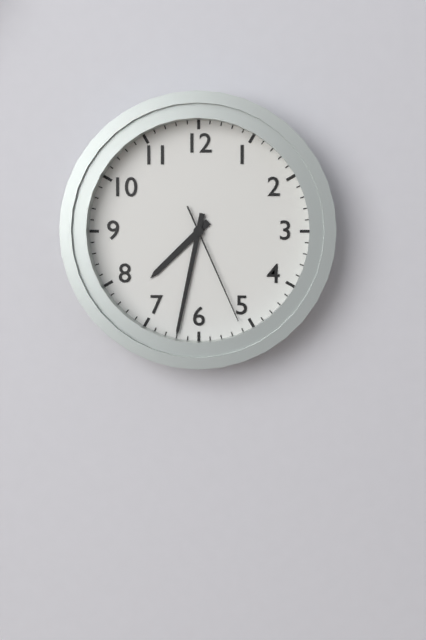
{"hour": 7, "minute": 32, "second": 26}
